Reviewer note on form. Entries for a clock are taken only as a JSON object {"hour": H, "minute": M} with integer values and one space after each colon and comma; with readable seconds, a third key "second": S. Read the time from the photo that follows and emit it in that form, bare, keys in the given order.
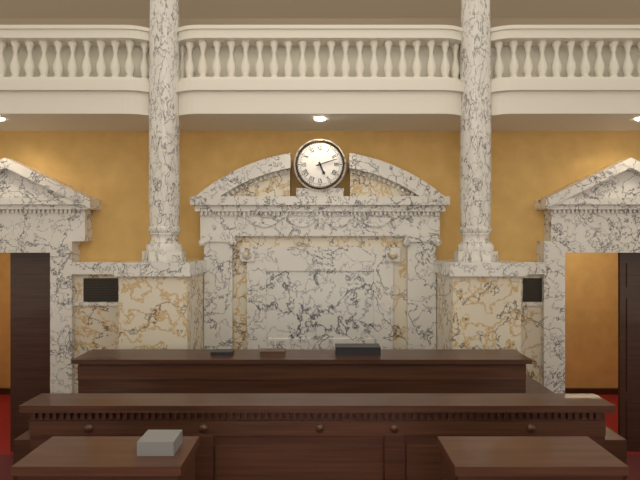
{"hour": 5, "minute": 12}
